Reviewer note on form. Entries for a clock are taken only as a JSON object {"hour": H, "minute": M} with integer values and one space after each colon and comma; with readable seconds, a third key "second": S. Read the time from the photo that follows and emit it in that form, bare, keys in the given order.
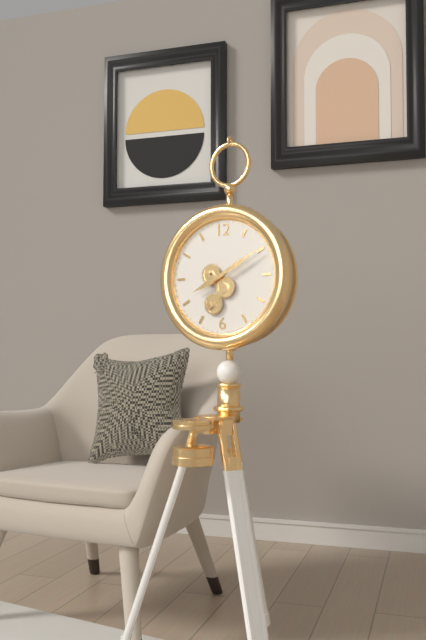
{"hour": 8, "minute": 10}
